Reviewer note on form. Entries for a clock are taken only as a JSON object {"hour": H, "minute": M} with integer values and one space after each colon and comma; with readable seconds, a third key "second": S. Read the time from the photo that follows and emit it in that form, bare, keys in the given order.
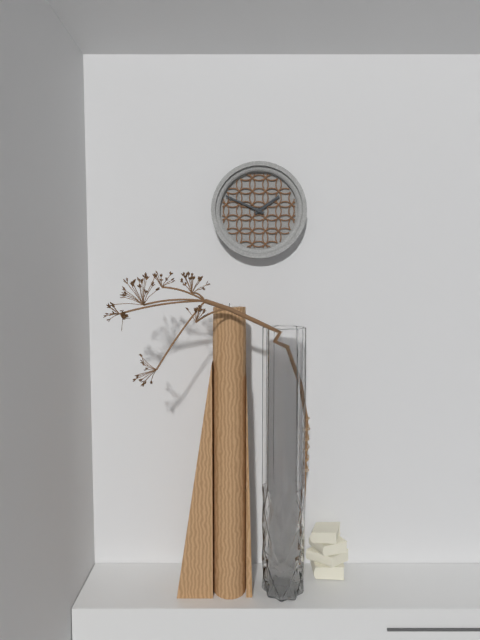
{"hour": 1, "minute": 49}
